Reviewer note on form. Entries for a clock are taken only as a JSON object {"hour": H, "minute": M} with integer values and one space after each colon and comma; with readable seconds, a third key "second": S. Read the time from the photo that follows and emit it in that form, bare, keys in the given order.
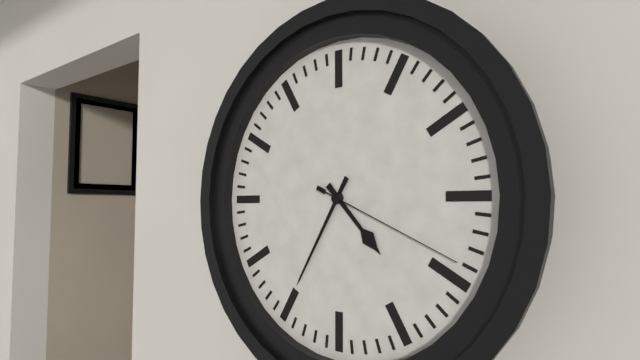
{"hour": 4, "minute": 35, "second": 19}
